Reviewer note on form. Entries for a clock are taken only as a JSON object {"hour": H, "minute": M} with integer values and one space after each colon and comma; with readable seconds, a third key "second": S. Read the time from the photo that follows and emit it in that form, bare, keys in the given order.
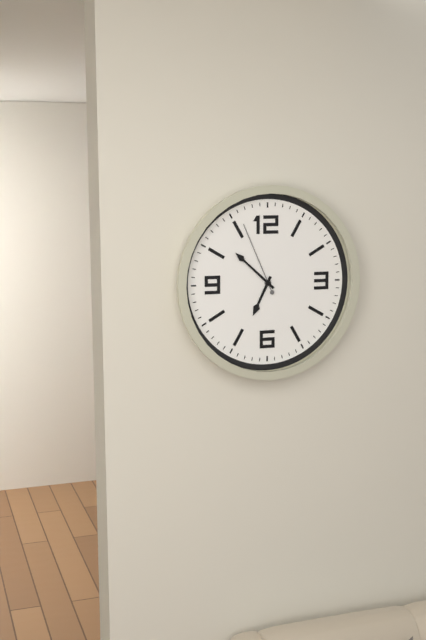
{"hour": 6, "minute": 52, "second": 56}
